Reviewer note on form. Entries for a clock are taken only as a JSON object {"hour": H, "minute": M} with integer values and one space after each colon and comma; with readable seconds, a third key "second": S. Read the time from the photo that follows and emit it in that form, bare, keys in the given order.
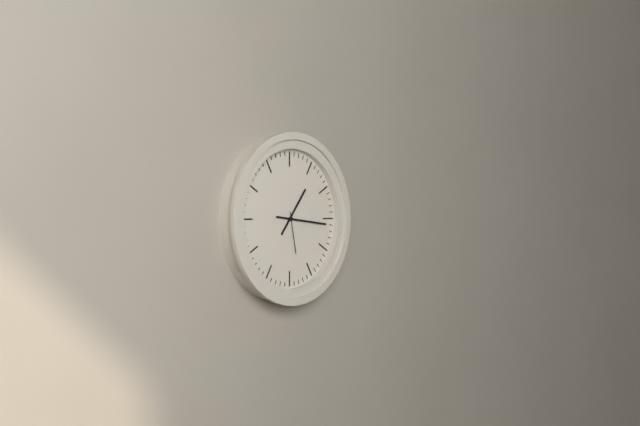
{"hour": 1, "minute": 16}
